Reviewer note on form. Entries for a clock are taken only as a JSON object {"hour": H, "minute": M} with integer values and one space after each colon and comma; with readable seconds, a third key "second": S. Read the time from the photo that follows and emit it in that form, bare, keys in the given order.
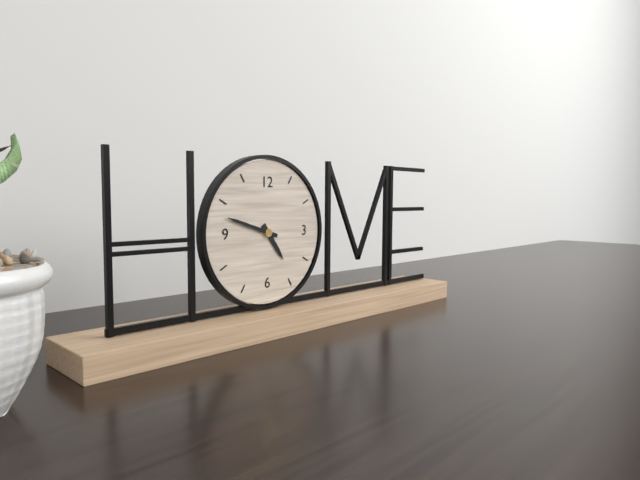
{"hour": 4, "minute": 48}
